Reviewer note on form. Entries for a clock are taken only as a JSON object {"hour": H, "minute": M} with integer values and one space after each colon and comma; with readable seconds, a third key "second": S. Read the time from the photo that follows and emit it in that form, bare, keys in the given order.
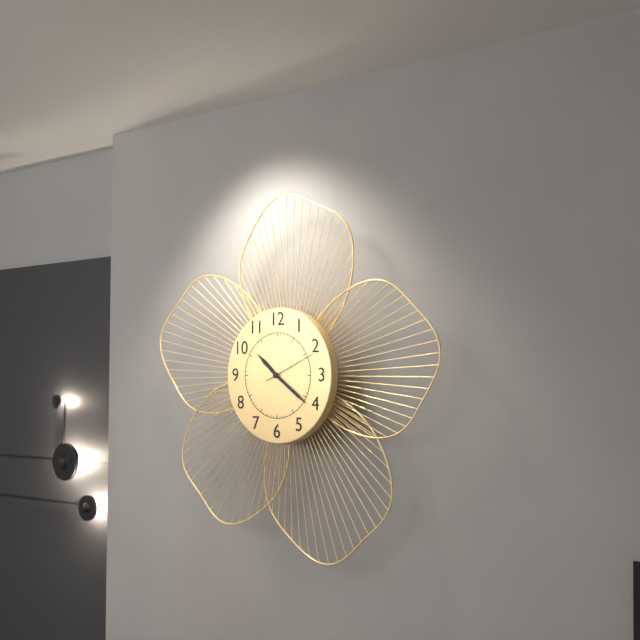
{"hour": 10, "minute": 21, "second": 11}
